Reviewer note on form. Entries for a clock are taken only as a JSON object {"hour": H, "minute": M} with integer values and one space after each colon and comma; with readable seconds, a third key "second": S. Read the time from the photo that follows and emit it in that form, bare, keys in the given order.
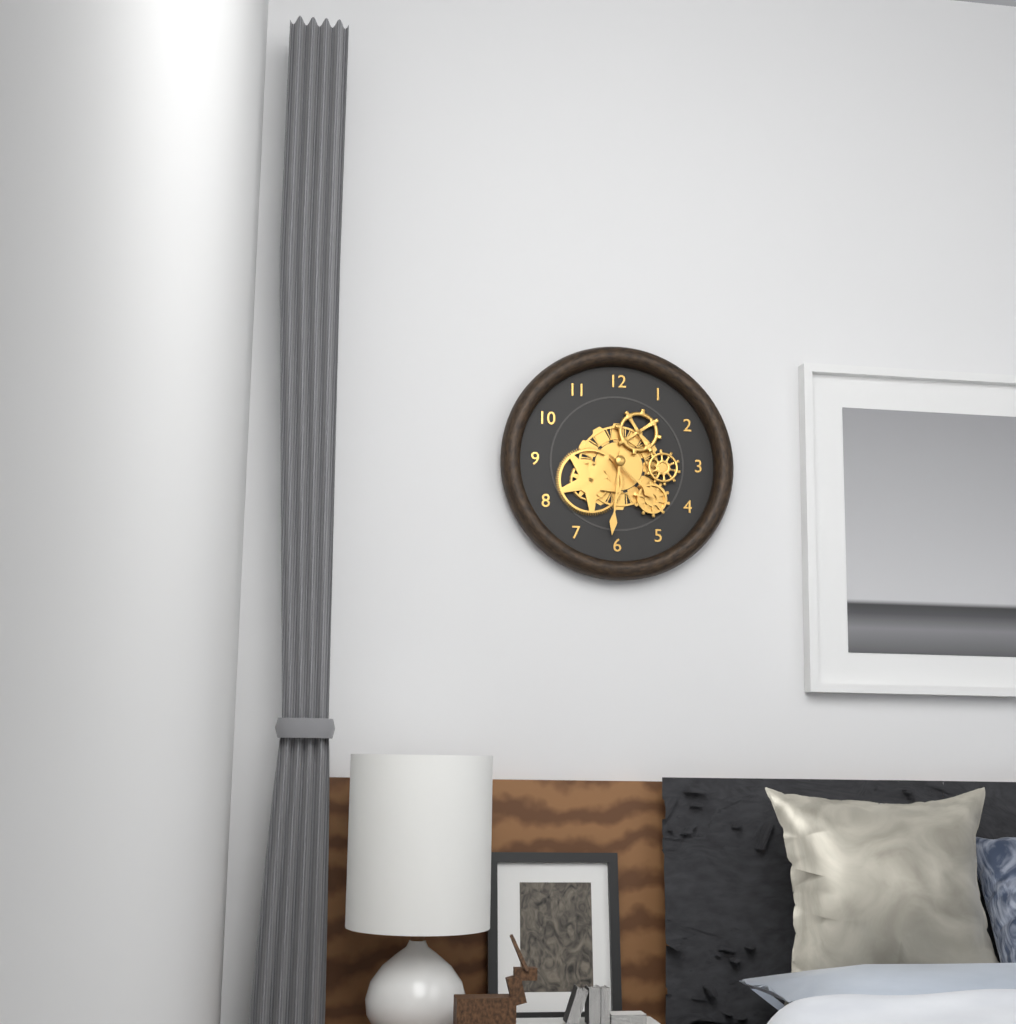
{"hour": 4, "minute": 31}
